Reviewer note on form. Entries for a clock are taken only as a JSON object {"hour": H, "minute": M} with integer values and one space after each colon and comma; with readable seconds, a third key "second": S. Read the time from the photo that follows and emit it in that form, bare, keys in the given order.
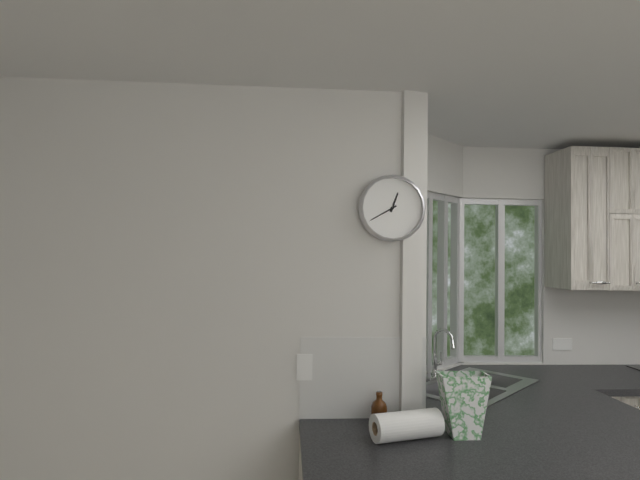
{"hour": 12, "minute": 40}
